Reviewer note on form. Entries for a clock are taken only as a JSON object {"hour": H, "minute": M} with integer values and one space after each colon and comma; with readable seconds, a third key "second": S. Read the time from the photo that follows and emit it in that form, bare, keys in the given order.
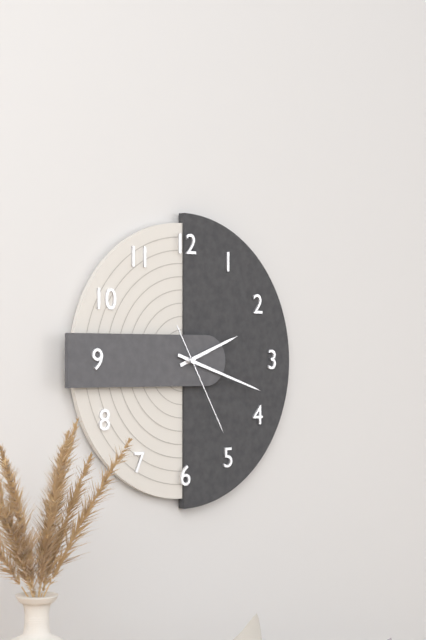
{"hour": 2, "minute": 18, "second": 25}
